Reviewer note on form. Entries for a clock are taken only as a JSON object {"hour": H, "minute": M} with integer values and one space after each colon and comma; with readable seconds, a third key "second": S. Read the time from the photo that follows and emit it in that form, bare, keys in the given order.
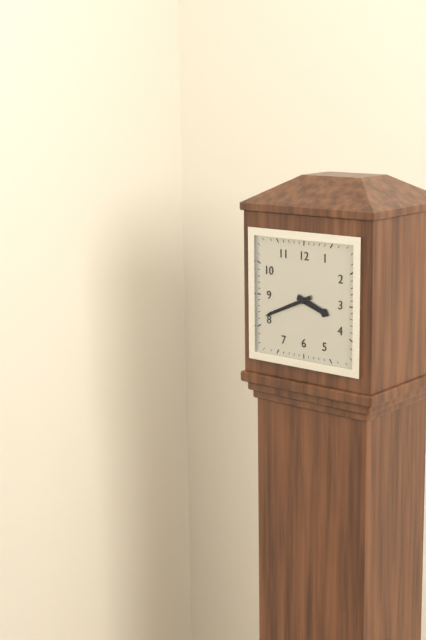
{"hour": 3, "minute": 41}
